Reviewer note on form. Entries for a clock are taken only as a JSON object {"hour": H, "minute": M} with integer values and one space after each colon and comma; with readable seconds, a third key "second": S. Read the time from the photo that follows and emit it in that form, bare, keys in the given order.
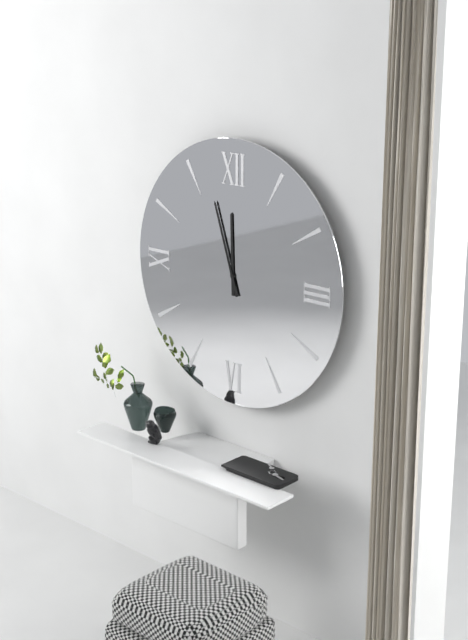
{"hour": 11, "minute": 57}
